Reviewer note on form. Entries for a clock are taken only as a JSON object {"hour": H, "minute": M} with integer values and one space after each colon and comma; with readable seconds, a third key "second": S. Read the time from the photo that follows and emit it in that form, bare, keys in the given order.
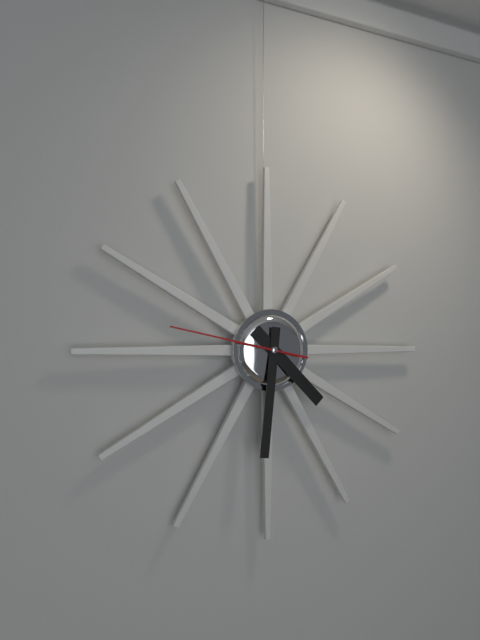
{"hour": 4, "minute": 31, "second": 47}
